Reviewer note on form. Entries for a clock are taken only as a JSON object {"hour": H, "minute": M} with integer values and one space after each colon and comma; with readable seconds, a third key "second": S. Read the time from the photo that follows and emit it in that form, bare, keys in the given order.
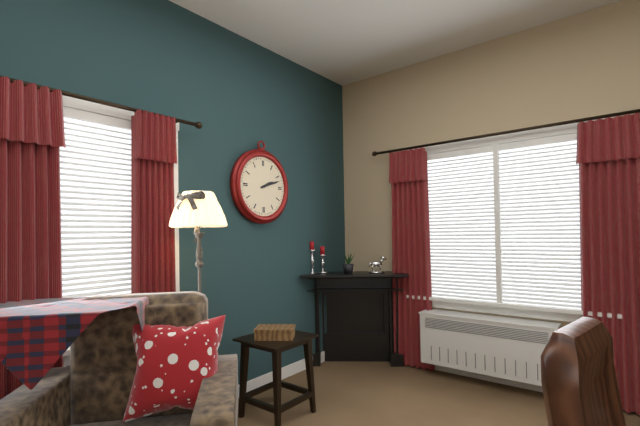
{"hour": 2, "minute": 12}
